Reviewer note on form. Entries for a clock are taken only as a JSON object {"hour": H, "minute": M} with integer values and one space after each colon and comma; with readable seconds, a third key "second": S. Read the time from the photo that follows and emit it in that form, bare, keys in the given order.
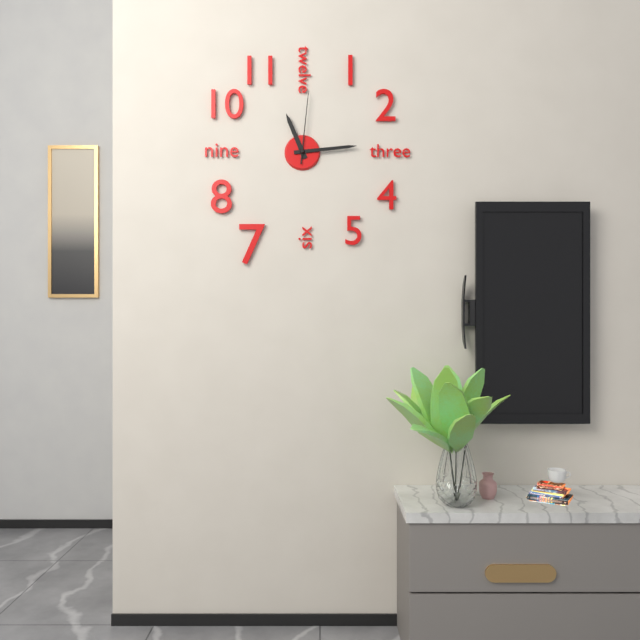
{"hour": 11, "minute": 14, "second": 1}
